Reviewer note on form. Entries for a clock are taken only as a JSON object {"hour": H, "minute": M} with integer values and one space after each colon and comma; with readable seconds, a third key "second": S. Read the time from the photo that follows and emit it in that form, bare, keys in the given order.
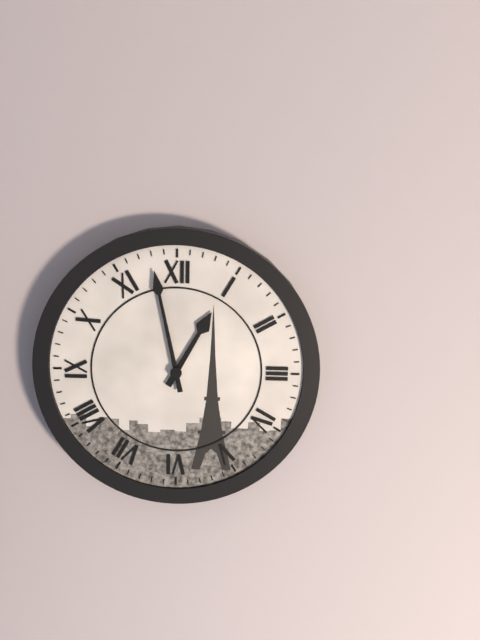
{"hour": 12, "minute": 58}
